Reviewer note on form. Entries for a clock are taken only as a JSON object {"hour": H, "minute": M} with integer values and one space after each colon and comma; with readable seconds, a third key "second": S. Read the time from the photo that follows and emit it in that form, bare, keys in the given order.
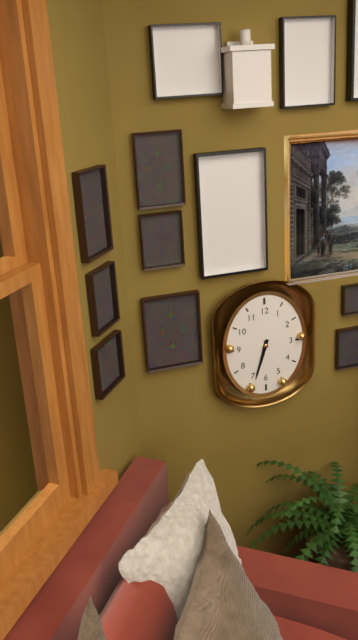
{"hour": 6, "minute": 33}
